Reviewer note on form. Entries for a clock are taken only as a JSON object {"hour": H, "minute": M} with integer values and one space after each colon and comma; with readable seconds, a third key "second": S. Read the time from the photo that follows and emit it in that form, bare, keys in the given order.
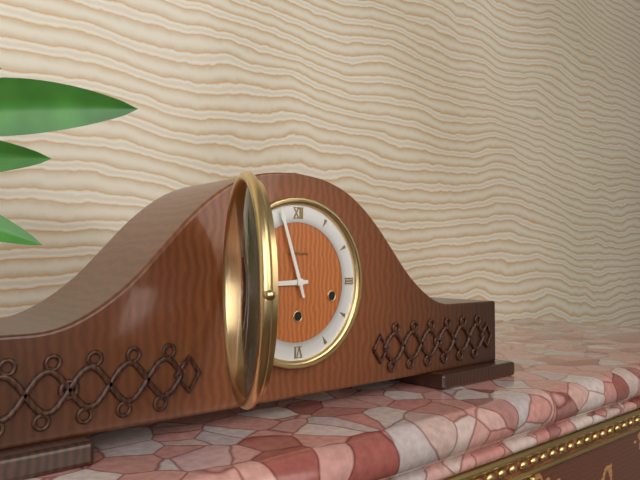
{"hour": 8, "minute": 57}
